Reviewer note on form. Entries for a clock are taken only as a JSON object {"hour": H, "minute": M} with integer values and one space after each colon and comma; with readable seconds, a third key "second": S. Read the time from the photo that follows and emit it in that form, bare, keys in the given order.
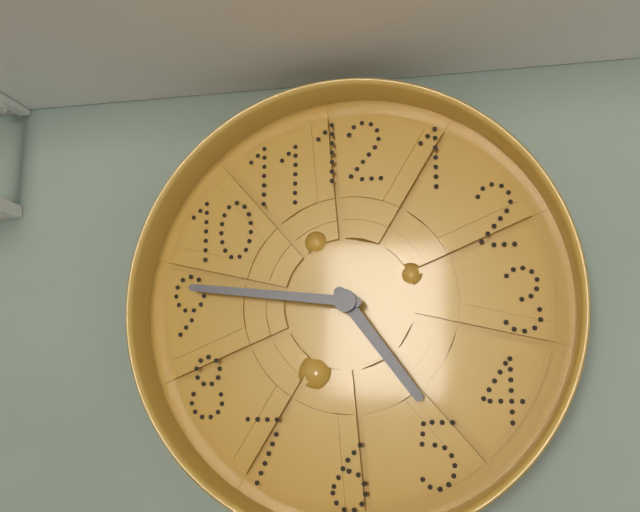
{"hour": 4, "minute": 46}
